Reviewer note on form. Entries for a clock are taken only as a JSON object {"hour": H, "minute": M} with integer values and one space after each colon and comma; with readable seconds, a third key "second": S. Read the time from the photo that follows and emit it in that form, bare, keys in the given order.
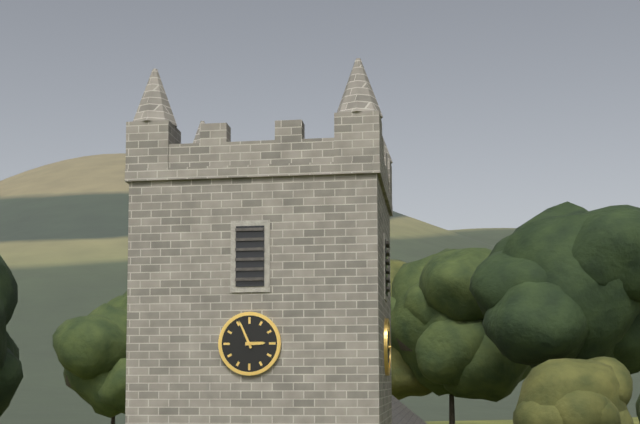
{"hour": 2, "minute": 56}
